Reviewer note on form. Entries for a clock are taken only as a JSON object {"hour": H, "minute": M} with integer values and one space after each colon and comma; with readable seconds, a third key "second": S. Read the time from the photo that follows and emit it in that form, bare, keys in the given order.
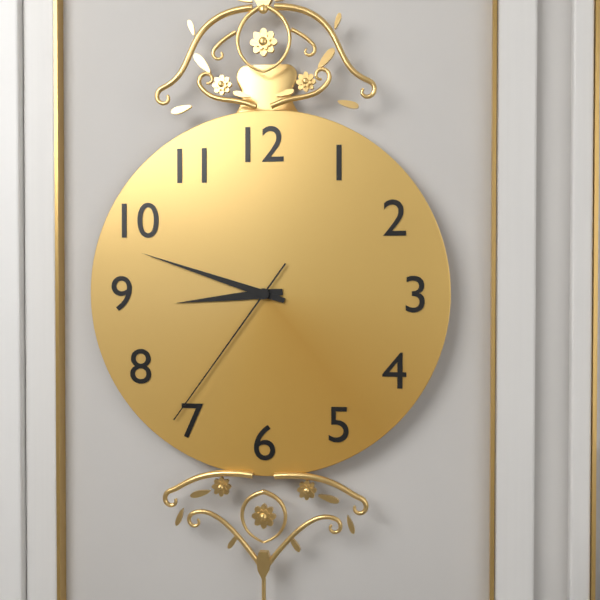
{"hour": 8, "minute": 48, "second": 36}
